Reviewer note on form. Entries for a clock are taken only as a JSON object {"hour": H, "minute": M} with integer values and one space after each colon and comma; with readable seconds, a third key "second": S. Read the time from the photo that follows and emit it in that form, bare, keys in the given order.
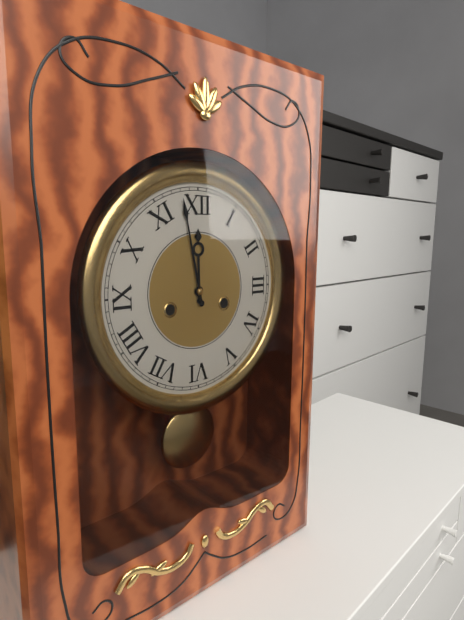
{"hour": 11, "minute": 58}
